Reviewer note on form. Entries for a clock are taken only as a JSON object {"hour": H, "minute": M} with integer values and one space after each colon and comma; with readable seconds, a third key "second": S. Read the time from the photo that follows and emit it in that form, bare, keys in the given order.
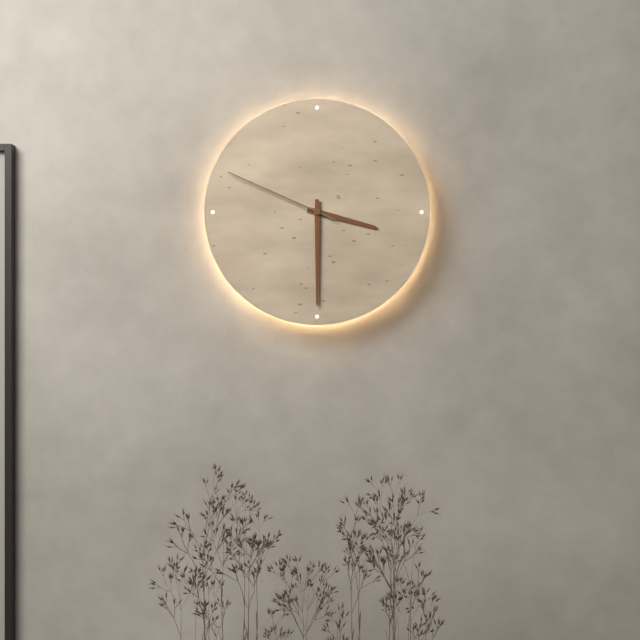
{"hour": 3, "minute": 30, "second": 49}
